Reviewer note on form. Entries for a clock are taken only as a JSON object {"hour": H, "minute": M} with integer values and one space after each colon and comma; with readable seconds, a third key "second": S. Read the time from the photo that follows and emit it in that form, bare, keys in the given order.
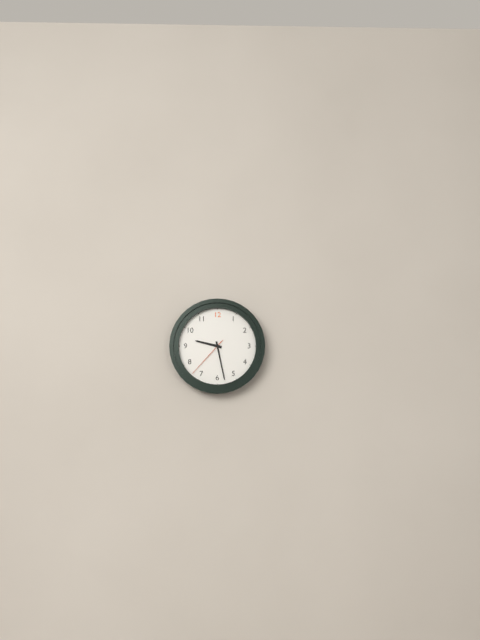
{"hour": 9, "minute": 28}
